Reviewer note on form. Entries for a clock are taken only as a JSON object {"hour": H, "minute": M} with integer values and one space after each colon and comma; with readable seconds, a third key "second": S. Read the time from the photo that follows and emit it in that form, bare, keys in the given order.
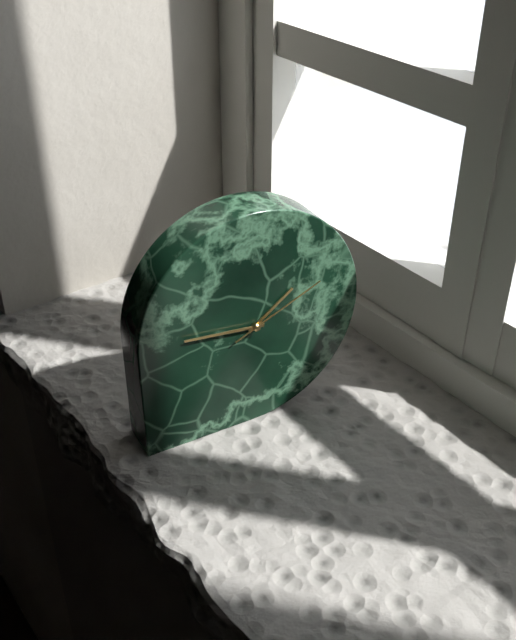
{"hour": 1, "minute": 46, "second": 11}
